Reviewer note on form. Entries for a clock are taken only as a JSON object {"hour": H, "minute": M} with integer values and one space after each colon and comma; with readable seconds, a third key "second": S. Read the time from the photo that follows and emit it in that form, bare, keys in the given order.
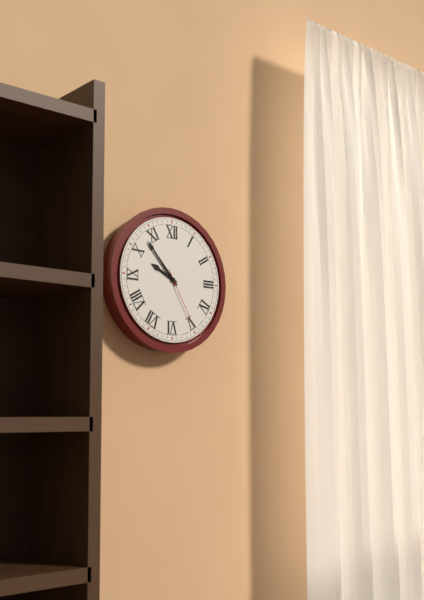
{"hour": 9, "minute": 53, "second": 25}
